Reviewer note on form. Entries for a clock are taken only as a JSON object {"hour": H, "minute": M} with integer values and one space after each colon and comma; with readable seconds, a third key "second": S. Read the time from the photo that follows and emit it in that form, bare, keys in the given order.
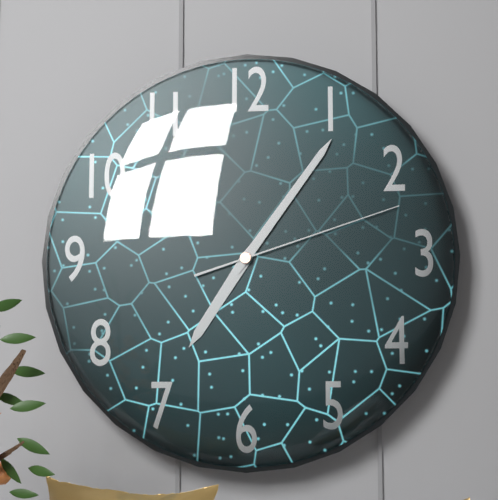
{"hour": 7, "minute": 6, "second": 12}
